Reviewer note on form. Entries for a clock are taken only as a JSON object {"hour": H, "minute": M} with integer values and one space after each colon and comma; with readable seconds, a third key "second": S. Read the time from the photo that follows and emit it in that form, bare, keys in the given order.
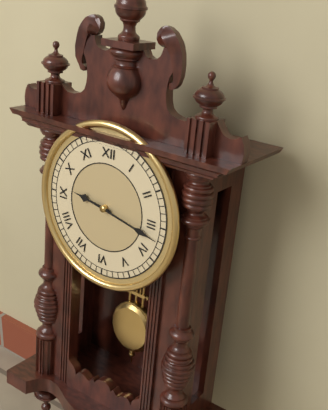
{"hour": 9, "minute": 17}
